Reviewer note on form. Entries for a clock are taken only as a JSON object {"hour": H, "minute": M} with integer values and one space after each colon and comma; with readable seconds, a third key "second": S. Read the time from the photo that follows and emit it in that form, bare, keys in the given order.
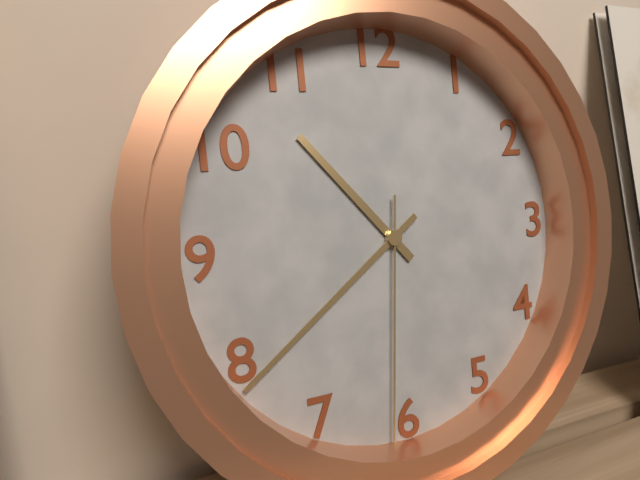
{"hour": 10, "minute": 39, "second": 31}
